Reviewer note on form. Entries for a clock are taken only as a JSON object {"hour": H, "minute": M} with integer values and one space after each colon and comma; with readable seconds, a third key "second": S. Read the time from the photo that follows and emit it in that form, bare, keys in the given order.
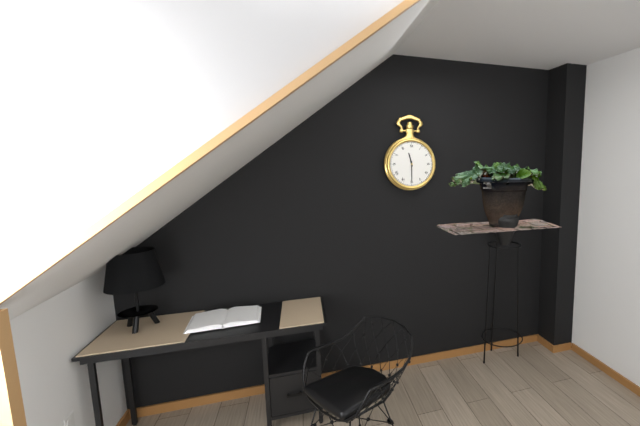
{"hour": 11, "minute": 30}
